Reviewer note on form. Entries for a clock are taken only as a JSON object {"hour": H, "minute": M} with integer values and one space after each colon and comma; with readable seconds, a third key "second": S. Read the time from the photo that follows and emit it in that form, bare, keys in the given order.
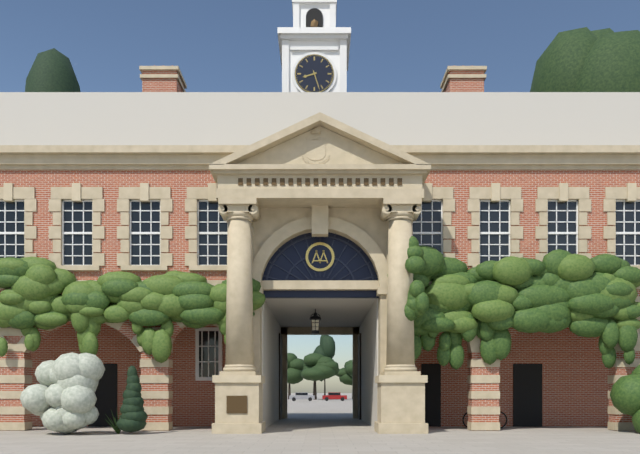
{"hour": 8, "minute": 27}
